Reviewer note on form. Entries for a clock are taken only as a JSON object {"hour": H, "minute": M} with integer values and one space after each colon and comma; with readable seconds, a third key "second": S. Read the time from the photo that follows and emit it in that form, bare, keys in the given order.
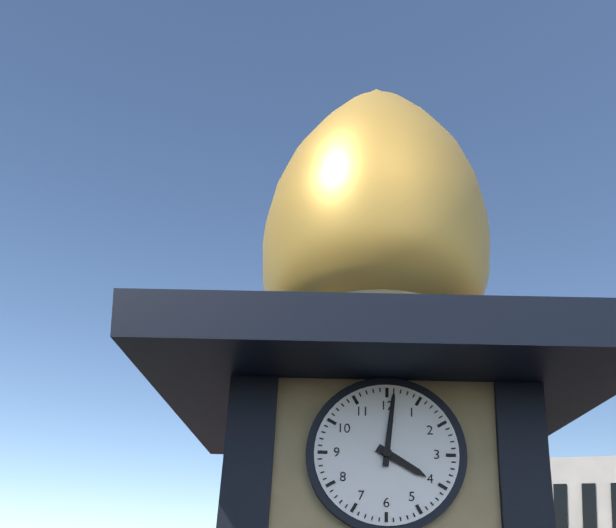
{"hour": 4, "minute": 1}
